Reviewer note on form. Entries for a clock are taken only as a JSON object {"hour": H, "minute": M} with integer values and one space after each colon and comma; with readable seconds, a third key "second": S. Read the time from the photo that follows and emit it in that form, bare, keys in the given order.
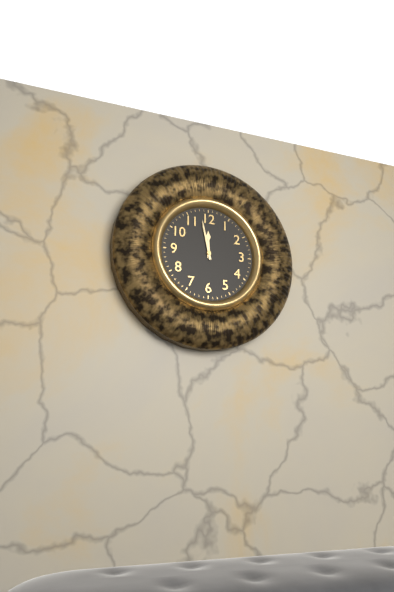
{"hour": 11, "minute": 58}
